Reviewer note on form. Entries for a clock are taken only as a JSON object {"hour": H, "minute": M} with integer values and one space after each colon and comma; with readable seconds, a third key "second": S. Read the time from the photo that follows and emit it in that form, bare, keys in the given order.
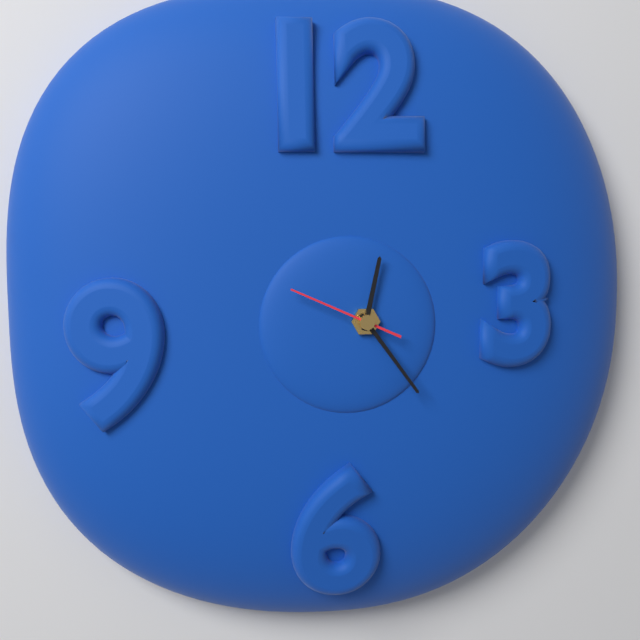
{"hour": 12, "minute": 24, "second": 49}
